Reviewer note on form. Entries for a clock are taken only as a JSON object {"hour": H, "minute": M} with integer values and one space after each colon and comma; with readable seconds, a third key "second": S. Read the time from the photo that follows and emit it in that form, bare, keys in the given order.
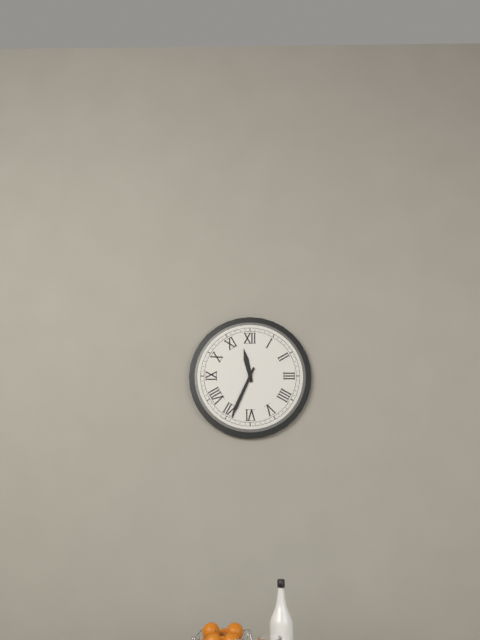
{"hour": 11, "minute": 34}
